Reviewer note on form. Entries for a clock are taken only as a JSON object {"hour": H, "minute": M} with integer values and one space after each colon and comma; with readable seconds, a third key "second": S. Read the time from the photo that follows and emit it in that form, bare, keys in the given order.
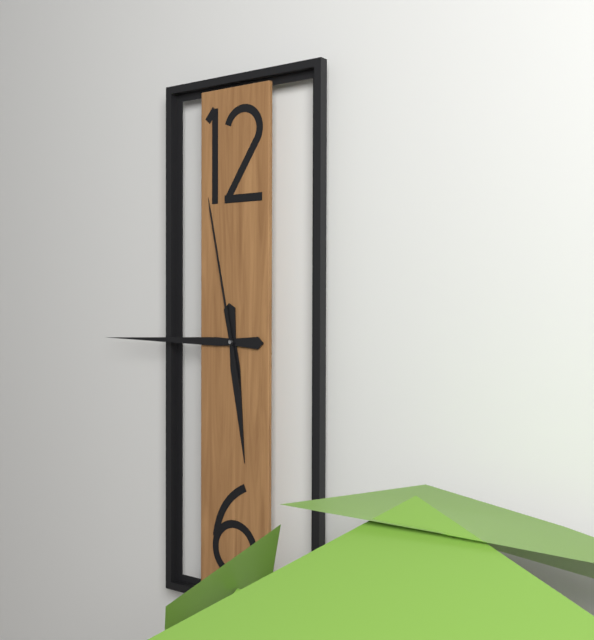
{"hour": 5, "minute": 45, "second": 58}
